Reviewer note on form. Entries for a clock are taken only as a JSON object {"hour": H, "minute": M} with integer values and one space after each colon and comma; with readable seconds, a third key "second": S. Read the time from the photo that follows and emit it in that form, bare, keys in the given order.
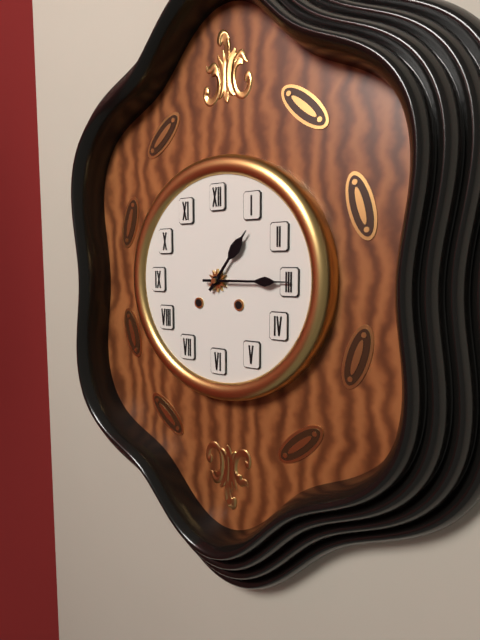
{"hour": 1, "minute": 15}
